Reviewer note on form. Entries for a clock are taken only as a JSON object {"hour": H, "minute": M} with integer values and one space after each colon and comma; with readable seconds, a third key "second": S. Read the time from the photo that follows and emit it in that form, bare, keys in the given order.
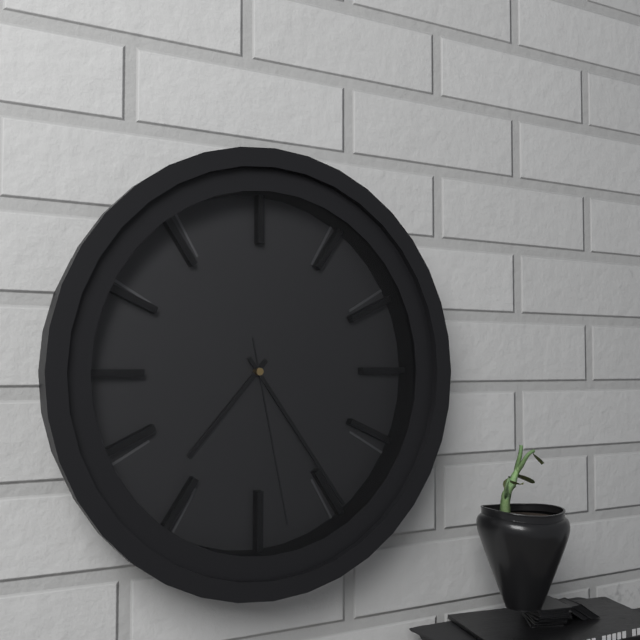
{"hour": 7, "minute": 24, "second": 28}
